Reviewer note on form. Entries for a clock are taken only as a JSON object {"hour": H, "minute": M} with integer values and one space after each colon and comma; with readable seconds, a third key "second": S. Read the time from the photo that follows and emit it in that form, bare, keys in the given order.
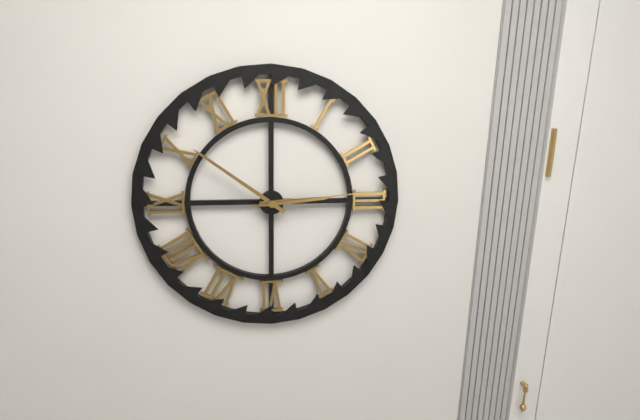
{"hour": 2, "minute": 51, "second": 14}
